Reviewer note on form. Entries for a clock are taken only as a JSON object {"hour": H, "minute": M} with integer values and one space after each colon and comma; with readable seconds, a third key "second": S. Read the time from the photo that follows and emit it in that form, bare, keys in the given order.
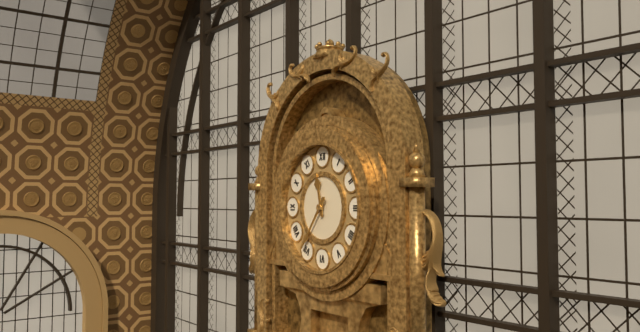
{"hour": 11, "minute": 36}
